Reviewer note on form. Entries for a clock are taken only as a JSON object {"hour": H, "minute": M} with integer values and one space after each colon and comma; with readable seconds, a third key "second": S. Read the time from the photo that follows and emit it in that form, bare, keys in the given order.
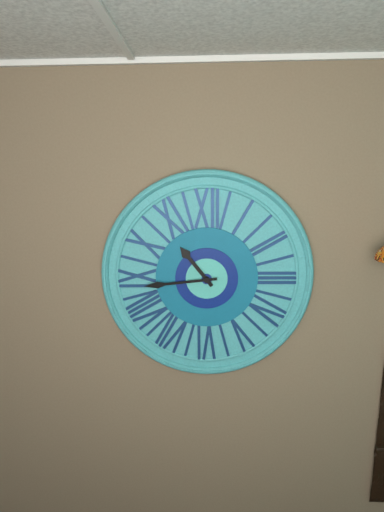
{"hour": 10, "minute": 44}
